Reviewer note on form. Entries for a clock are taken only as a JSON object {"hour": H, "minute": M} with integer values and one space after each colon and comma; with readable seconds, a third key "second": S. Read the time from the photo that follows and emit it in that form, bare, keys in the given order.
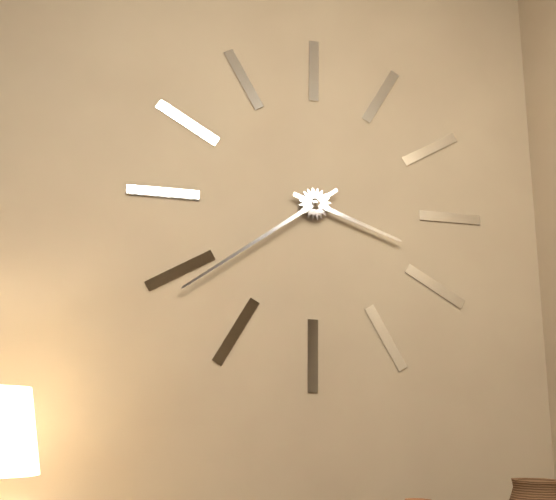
{"hour": 3, "minute": 39}
